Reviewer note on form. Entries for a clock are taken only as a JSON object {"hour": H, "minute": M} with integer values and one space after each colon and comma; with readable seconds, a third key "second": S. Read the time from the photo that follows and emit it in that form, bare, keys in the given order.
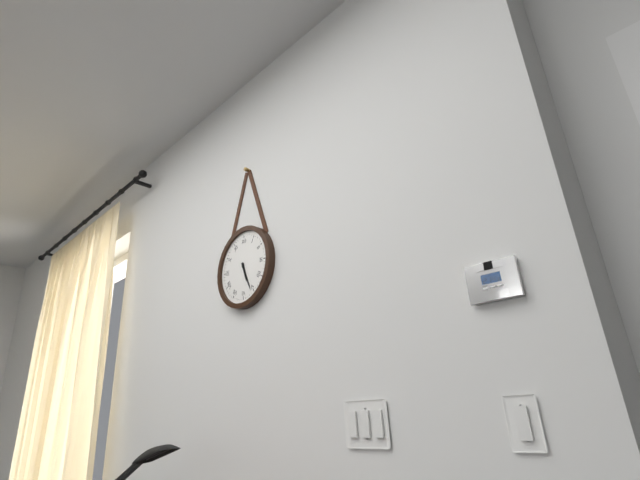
{"hour": 5, "minute": 26}
